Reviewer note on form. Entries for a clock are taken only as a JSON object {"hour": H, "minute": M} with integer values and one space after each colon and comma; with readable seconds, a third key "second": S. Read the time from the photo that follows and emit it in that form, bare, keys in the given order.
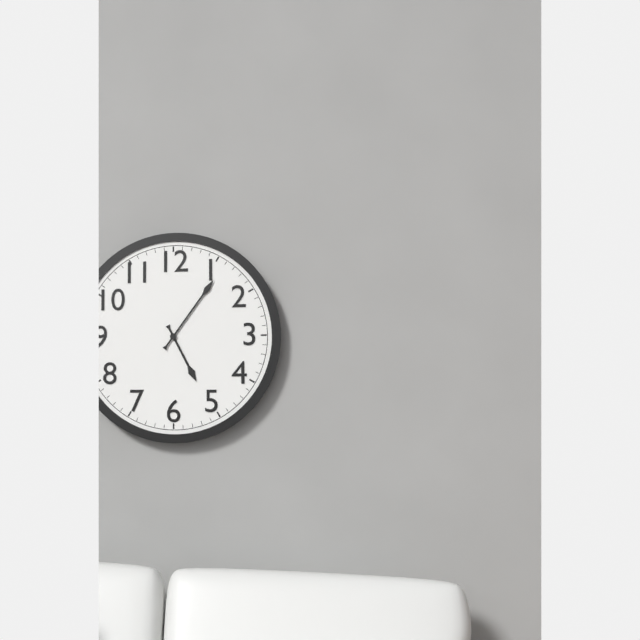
{"hour": 5, "minute": 6}
